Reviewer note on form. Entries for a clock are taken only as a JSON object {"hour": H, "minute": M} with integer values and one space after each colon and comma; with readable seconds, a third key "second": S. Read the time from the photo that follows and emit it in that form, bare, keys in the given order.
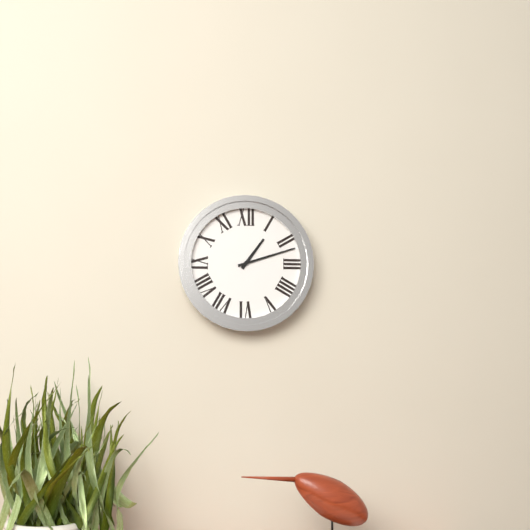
{"hour": 1, "minute": 12}
